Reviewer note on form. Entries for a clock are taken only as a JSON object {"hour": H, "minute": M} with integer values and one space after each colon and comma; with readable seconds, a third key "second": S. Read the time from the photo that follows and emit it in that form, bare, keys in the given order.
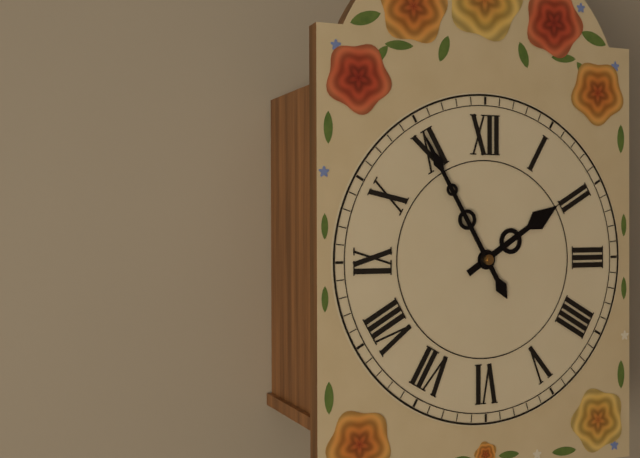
{"hour": 1, "minute": 55}
